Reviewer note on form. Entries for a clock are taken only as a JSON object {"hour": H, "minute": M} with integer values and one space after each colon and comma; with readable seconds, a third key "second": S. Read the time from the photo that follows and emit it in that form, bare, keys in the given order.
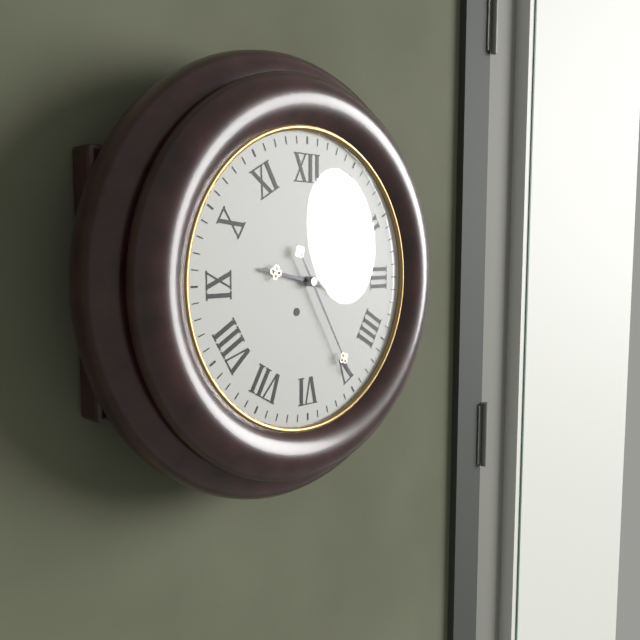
{"hour": 9, "minute": 25}
